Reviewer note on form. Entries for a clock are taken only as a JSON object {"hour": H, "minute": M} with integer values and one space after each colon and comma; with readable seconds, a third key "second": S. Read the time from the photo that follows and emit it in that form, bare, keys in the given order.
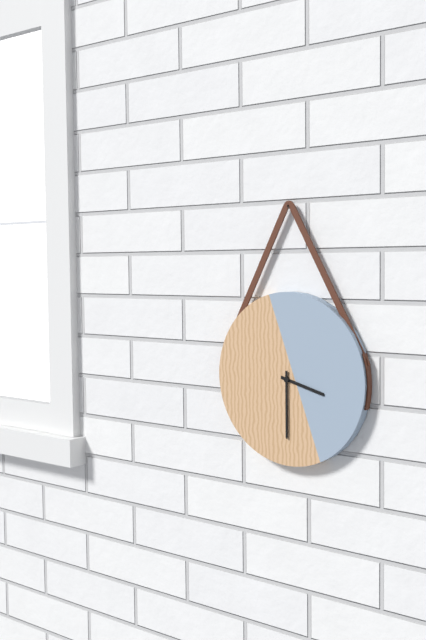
{"hour": 3, "minute": 30}
